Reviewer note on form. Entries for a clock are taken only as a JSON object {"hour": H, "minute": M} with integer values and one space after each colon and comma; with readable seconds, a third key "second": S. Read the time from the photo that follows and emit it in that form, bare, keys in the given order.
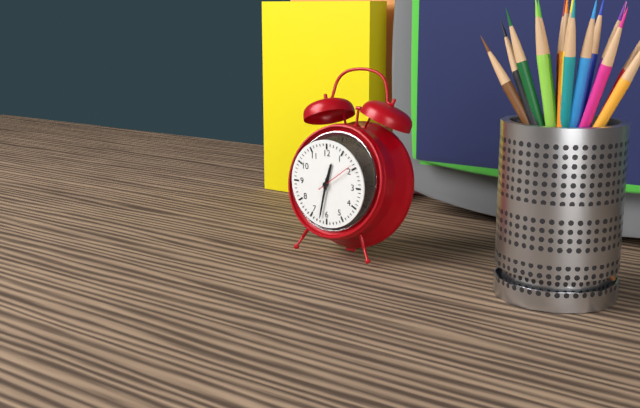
{"hour": 12, "minute": 32}
